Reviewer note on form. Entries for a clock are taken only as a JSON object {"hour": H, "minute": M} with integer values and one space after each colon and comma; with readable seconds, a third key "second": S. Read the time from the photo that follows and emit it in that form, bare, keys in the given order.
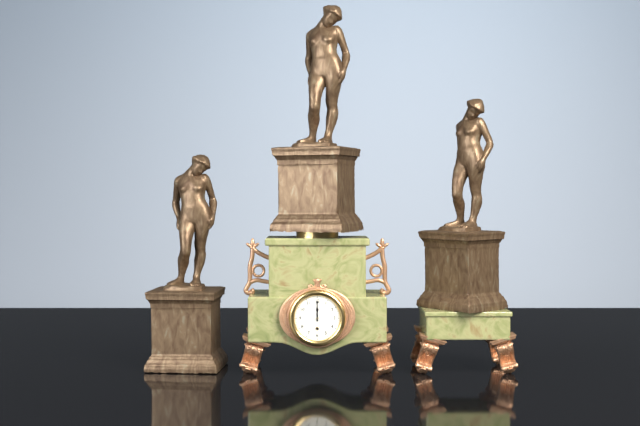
{"hour": 12, "minute": 0}
